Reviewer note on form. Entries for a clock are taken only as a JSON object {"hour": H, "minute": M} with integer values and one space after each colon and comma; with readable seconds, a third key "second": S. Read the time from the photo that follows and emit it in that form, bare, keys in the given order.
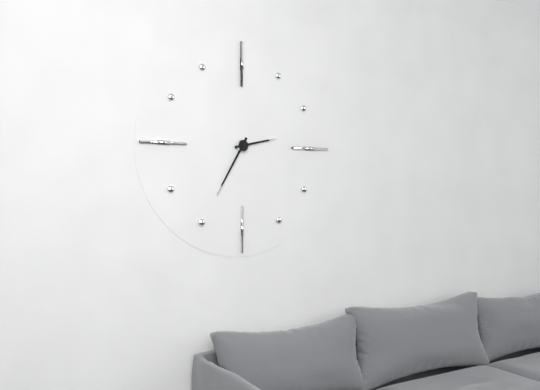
{"hour": 2, "minute": 35}
